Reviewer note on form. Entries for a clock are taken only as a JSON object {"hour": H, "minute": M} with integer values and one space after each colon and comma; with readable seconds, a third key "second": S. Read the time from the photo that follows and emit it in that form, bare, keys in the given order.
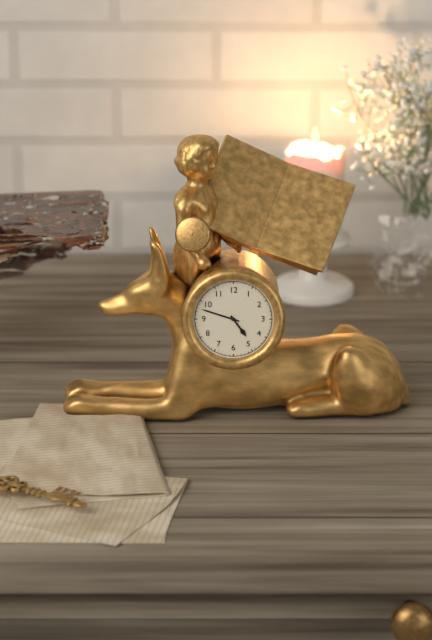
{"hour": 4, "minute": 48}
